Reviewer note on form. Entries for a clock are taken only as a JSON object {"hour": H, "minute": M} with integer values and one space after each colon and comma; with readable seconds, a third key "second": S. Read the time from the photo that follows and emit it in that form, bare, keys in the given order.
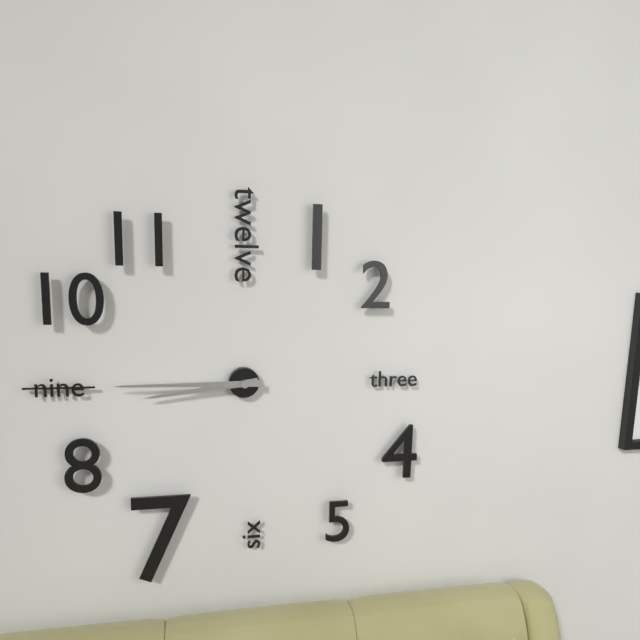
{"hour": 8, "minute": 45}
